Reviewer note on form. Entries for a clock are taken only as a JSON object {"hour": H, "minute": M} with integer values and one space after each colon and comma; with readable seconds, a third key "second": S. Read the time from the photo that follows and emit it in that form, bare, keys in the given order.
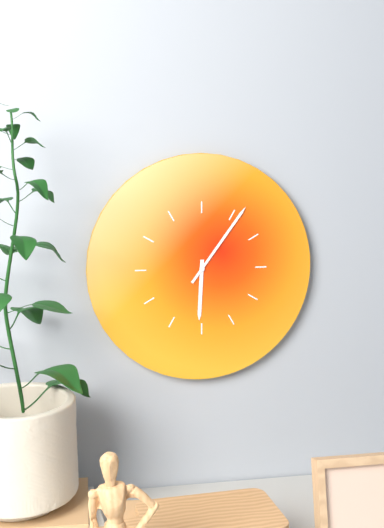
{"hour": 6, "minute": 6}
